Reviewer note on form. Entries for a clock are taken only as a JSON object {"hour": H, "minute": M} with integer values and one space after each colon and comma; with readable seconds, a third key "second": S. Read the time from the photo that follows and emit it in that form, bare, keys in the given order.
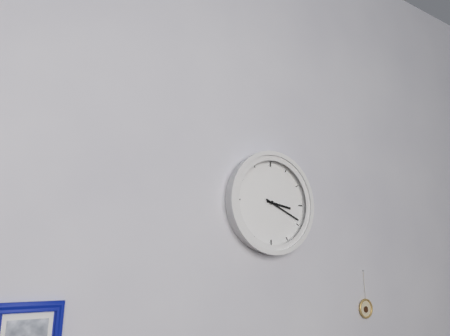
{"hour": 3, "minute": 19}
